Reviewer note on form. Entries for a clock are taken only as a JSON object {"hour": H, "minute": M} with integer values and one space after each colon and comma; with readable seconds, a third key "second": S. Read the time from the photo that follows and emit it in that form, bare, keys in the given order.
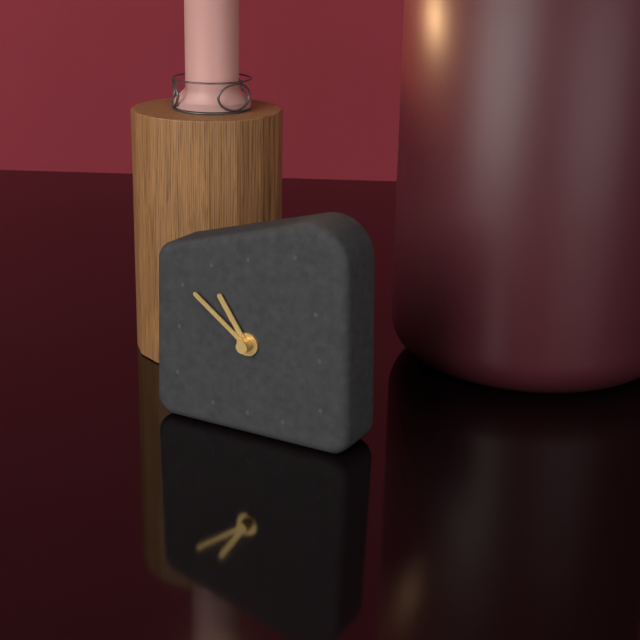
{"hour": 10, "minute": 51}
